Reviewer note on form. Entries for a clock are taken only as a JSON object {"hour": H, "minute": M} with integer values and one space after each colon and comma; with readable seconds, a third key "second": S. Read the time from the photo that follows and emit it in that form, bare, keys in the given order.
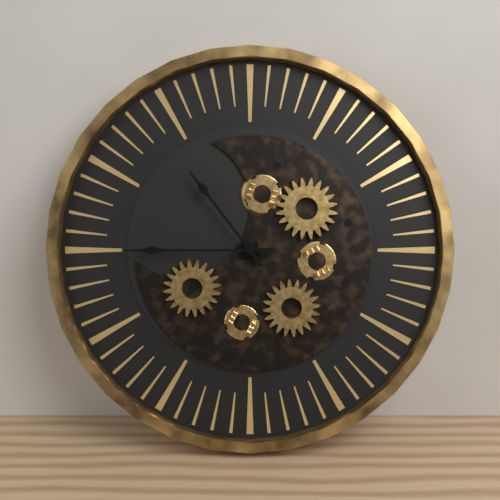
{"hour": 10, "minute": 45}
